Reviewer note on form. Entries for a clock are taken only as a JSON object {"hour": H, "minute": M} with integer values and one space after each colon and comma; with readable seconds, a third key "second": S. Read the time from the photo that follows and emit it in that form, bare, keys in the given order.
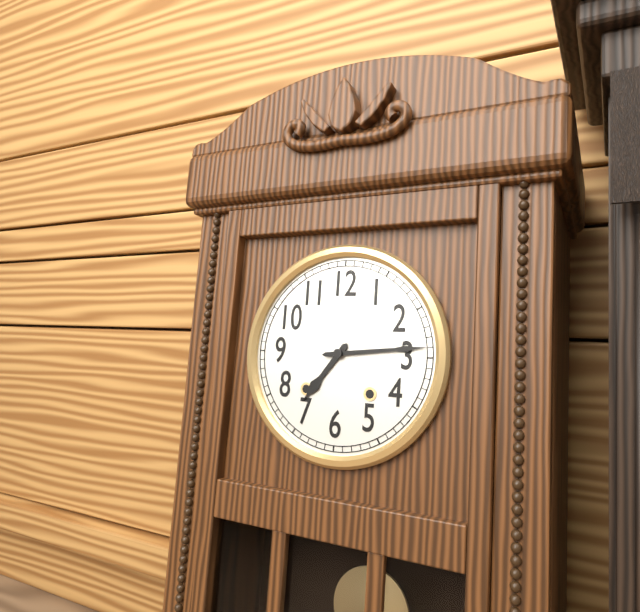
{"hour": 7, "minute": 14}
